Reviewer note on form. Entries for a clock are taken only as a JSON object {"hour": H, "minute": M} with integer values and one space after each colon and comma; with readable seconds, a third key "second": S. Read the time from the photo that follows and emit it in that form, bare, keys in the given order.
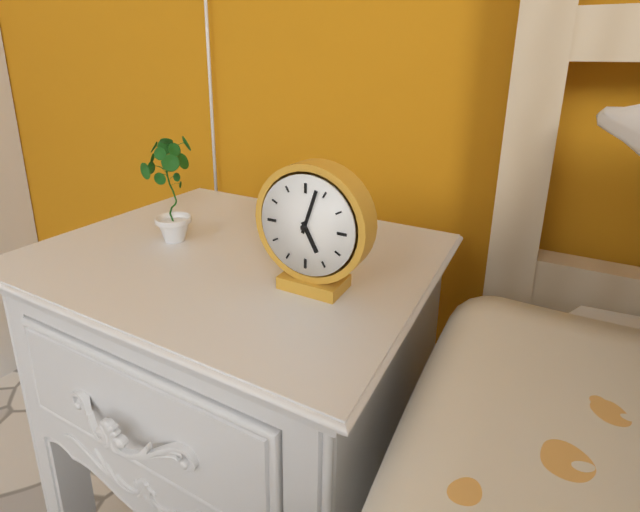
{"hour": 5, "minute": 3}
